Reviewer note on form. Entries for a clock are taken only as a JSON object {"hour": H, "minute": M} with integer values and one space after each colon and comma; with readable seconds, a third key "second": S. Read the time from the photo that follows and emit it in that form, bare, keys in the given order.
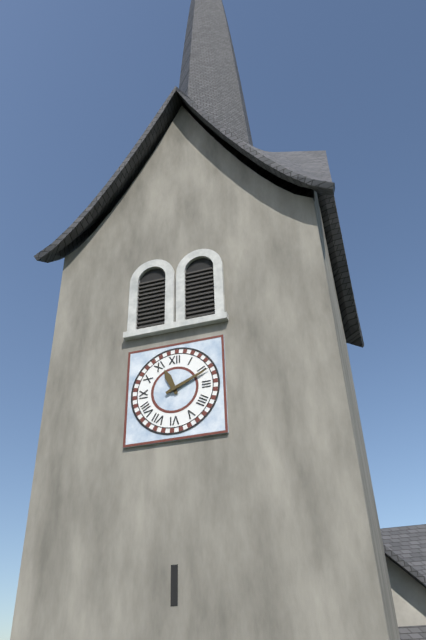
{"hour": 11, "minute": 11}
